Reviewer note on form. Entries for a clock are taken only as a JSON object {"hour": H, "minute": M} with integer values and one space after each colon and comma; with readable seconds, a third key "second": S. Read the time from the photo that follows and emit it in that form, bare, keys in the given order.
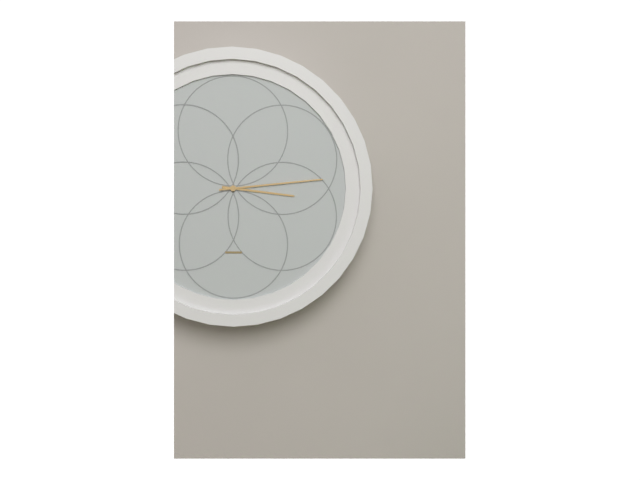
{"hour": 3, "minute": 14}
